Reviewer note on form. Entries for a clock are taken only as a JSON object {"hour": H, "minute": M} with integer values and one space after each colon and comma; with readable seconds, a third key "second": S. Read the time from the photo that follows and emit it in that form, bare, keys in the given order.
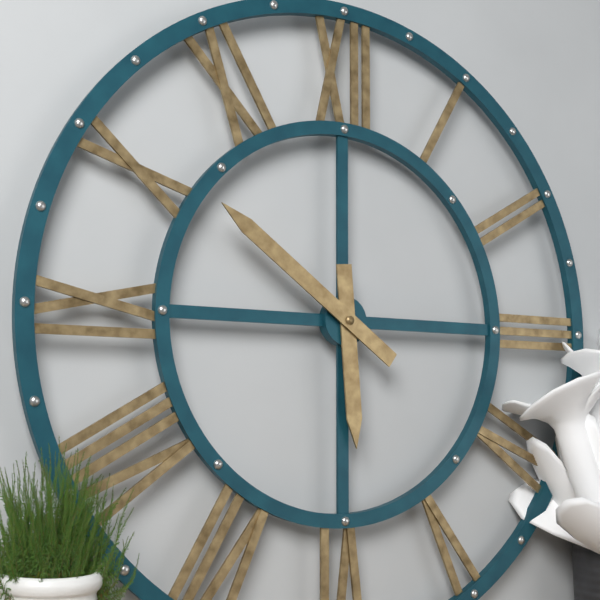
{"hour": 5, "minute": 51}
